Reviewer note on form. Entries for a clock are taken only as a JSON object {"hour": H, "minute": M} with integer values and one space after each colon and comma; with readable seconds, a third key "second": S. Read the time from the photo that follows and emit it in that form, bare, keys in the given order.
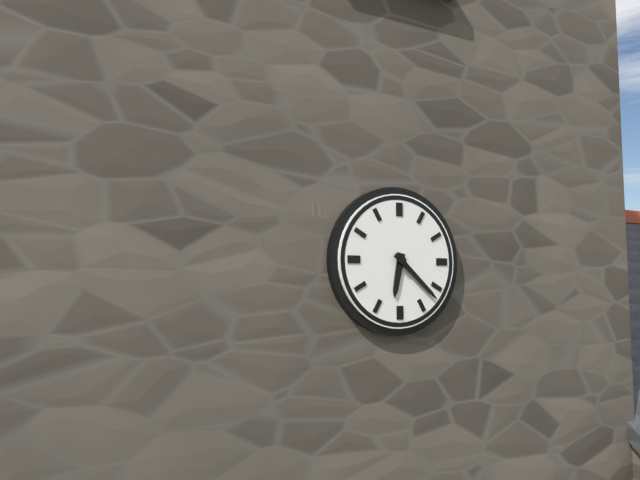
{"hour": 6, "minute": 22}
